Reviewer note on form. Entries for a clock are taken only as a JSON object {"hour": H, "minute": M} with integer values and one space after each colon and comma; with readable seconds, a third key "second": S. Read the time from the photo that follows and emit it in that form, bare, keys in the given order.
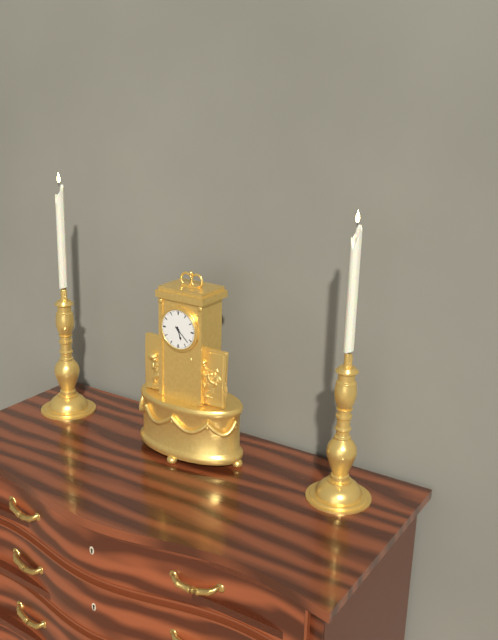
{"hour": 5, "minute": 22}
